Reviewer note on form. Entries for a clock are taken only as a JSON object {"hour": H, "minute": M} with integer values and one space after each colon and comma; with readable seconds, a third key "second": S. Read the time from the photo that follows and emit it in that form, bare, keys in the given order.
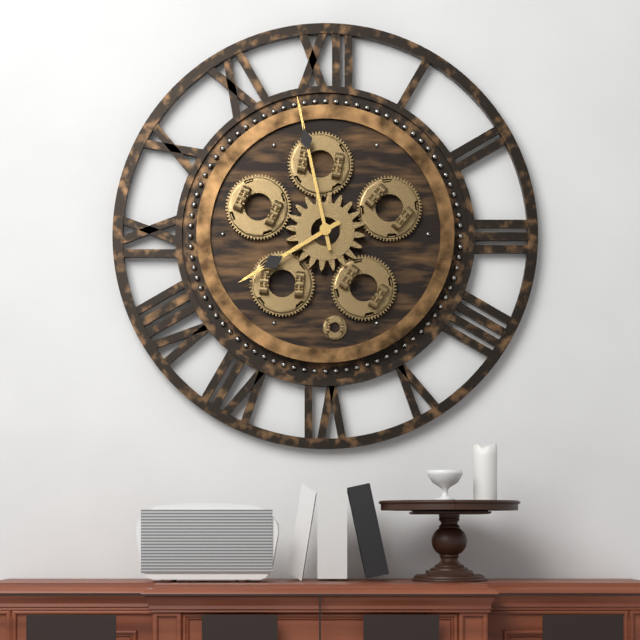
{"hour": 7, "minute": 58}
